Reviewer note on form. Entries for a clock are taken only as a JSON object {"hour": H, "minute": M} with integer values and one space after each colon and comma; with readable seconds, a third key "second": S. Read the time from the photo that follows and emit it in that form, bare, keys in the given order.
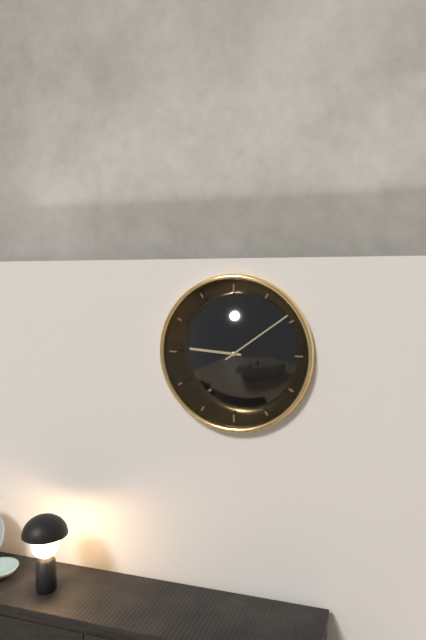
{"hour": 9, "minute": 9}
